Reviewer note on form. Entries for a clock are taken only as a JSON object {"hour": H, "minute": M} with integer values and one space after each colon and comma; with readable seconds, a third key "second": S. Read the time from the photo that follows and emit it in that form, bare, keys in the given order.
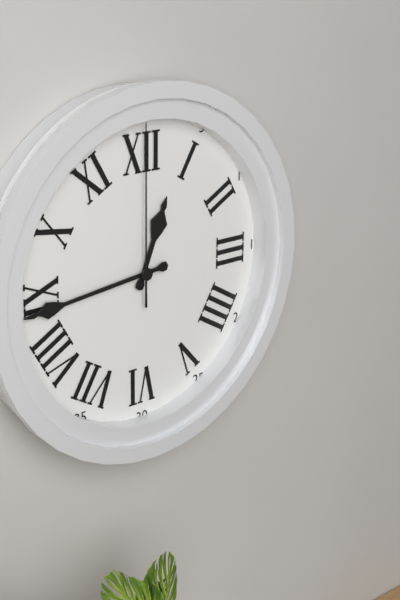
{"hour": 12, "minute": 44, "second": 0}
